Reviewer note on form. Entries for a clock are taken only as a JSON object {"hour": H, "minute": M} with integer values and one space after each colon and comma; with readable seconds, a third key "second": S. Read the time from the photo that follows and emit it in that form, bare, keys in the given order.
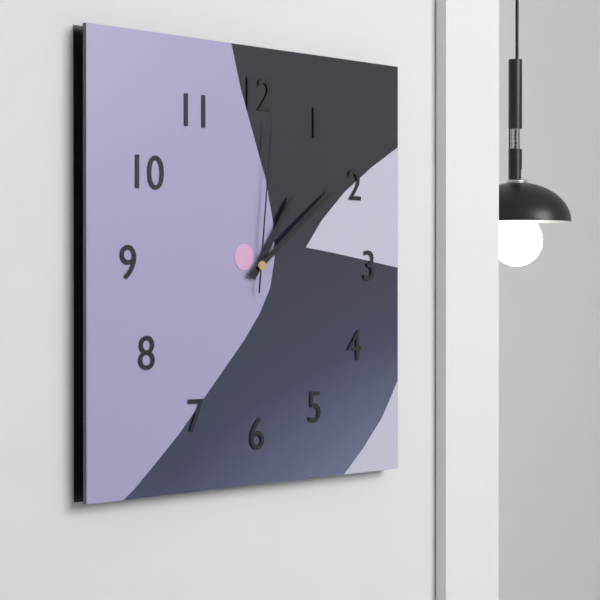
{"hour": 1, "minute": 9, "second": 1}
